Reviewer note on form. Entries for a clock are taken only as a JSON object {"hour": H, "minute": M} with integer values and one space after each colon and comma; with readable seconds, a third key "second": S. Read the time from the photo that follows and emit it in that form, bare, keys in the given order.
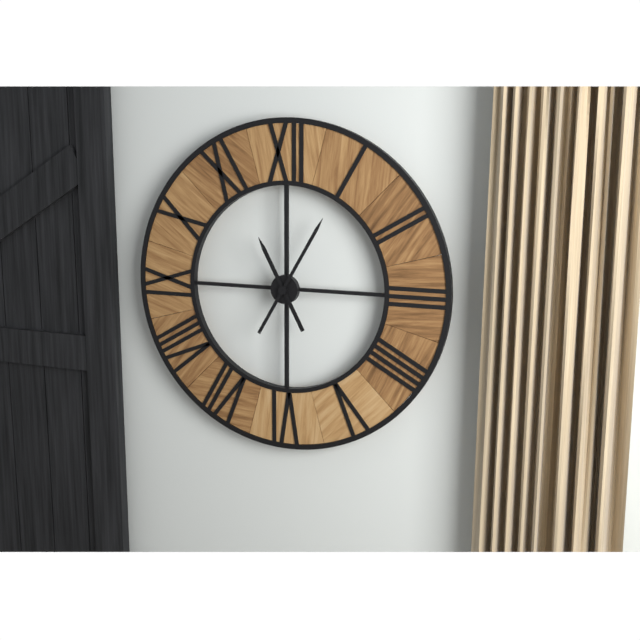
{"hour": 11, "minute": 5}
